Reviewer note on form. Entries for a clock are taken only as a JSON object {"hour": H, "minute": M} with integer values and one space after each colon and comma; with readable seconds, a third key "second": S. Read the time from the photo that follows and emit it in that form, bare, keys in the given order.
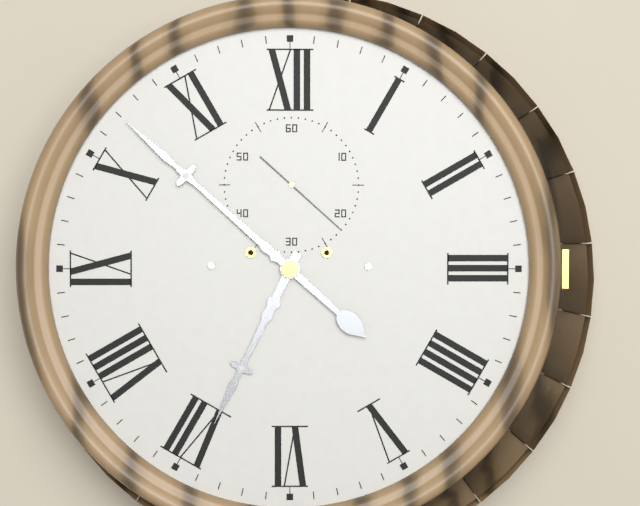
{"hour": 6, "minute": 52, "second": 22}
